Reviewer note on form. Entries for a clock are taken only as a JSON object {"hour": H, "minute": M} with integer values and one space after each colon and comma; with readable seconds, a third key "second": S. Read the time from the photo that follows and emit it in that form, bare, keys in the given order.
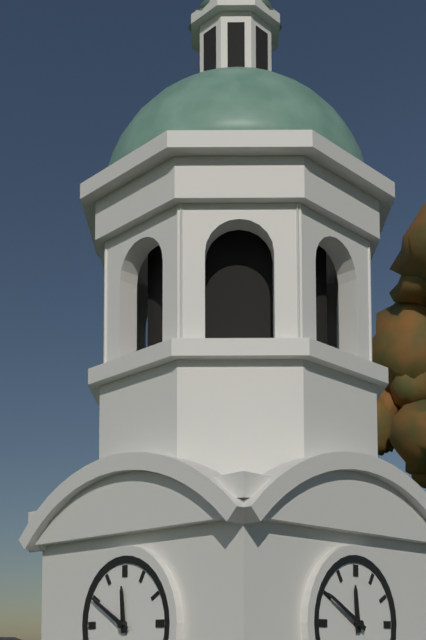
{"hour": 11, "minute": 50}
